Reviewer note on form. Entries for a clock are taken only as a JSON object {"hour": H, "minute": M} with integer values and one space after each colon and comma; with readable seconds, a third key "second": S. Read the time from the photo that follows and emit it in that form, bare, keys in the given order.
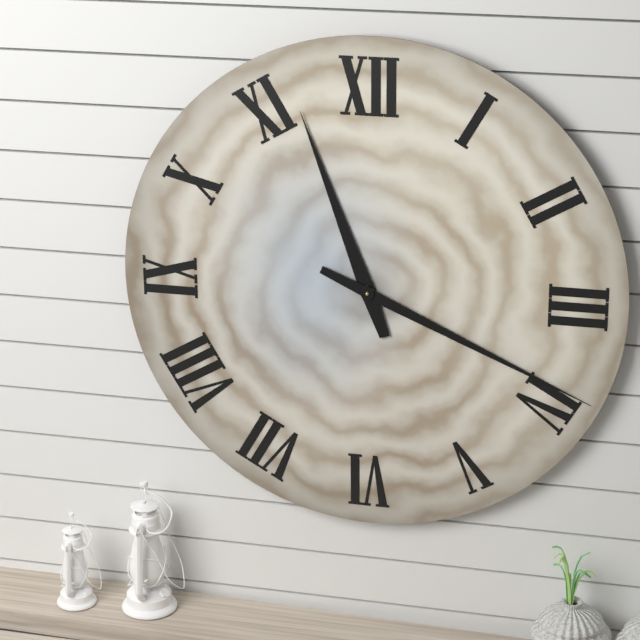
{"hour": 11, "minute": 19}
